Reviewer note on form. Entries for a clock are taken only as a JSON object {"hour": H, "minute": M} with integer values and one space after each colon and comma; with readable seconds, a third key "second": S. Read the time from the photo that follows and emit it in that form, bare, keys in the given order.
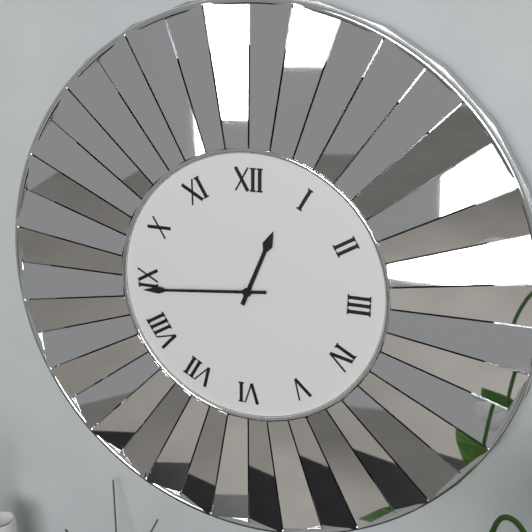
{"hour": 12, "minute": 44}
